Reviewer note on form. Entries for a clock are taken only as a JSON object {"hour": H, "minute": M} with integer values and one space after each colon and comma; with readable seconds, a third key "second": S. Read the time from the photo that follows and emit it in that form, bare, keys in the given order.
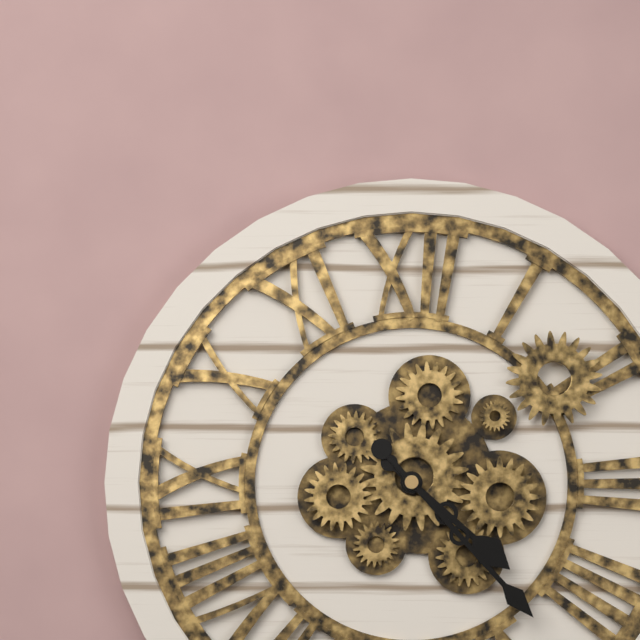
{"hour": 4, "minute": 23}
